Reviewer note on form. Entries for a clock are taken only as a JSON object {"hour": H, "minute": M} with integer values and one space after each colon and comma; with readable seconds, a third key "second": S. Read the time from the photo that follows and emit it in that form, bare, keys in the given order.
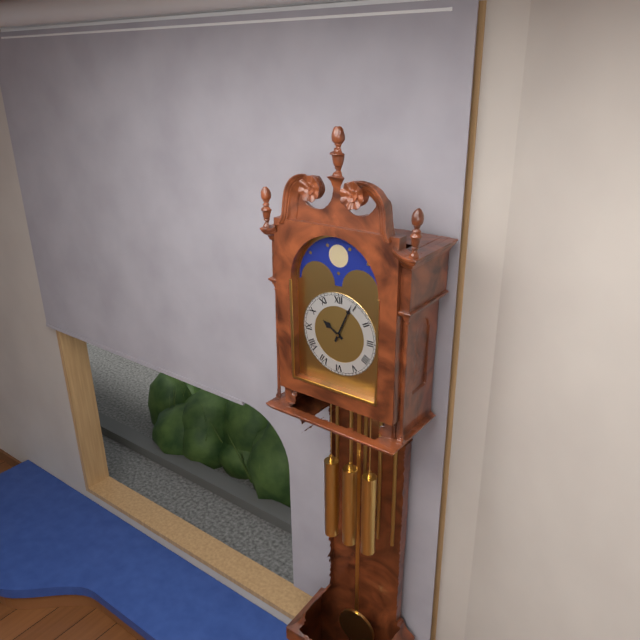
{"hour": 10, "minute": 4}
